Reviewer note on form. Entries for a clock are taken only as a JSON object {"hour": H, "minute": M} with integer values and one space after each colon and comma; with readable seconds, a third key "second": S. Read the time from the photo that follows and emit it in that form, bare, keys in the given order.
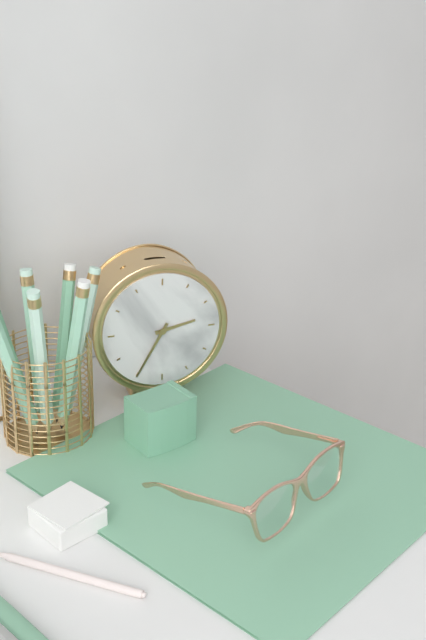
{"hour": 2, "minute": 35}
